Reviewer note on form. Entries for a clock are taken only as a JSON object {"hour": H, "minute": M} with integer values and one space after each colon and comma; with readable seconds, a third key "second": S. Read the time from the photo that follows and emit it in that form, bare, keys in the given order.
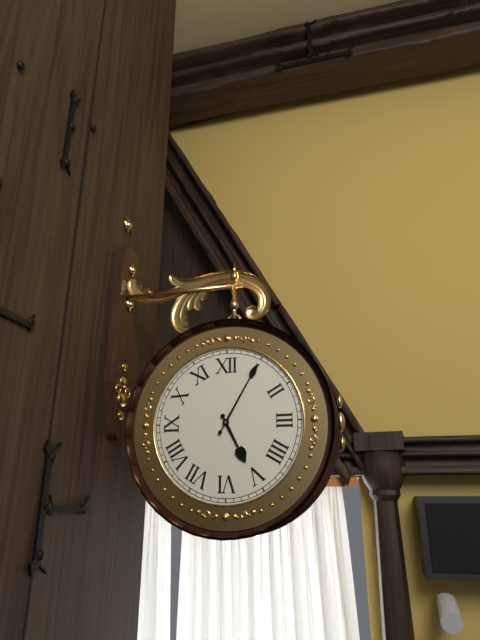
{"hour": 5, "minute": 5}
